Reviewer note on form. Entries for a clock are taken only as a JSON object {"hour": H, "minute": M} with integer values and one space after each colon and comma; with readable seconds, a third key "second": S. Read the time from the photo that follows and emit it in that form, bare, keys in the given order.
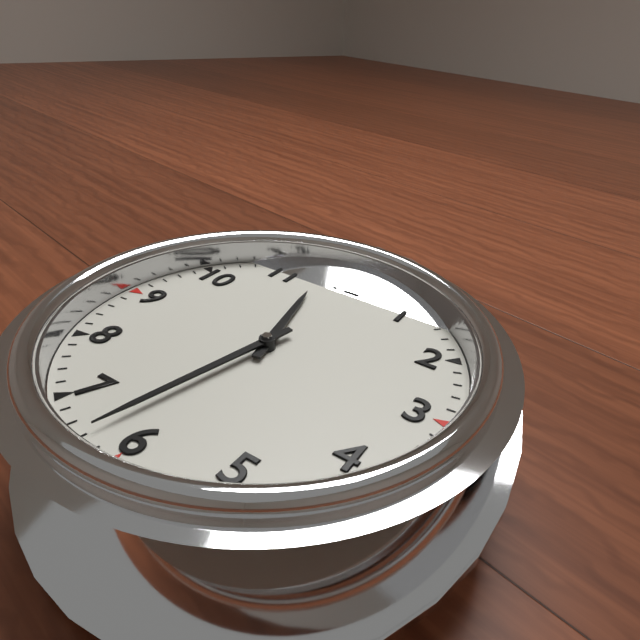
{"hour": 11, "minute": 32}
